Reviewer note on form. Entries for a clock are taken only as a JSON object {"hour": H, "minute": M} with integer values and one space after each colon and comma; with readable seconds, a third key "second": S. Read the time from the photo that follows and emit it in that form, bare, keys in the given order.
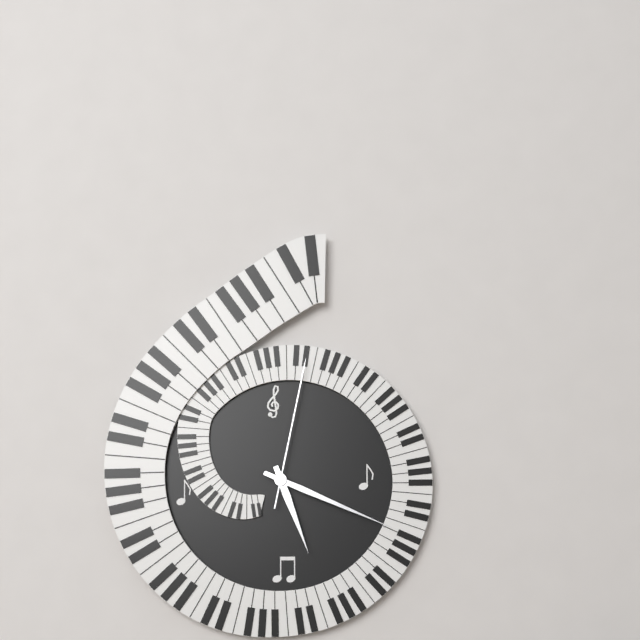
{"hour": 5, "minute": 19, "second": 2}
